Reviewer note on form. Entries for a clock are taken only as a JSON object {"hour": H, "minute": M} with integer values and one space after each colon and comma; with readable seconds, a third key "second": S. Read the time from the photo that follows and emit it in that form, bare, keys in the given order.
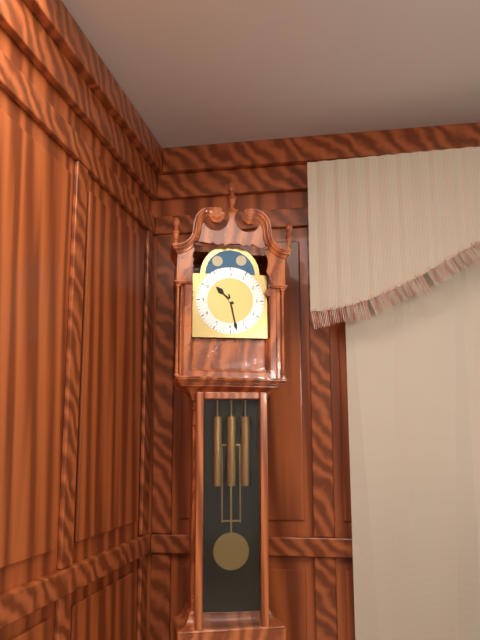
{"hour": 10, "minute": 28}
